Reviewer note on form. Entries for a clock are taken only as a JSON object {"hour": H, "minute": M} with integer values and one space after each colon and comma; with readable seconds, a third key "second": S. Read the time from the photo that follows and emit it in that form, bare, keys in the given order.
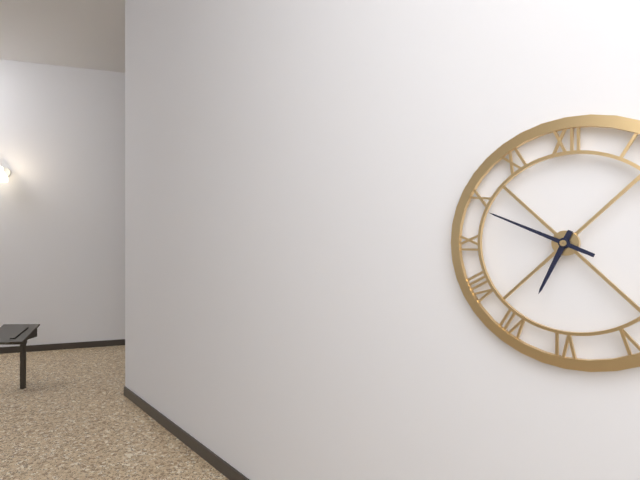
{"hour": 6, "minute": 49}
